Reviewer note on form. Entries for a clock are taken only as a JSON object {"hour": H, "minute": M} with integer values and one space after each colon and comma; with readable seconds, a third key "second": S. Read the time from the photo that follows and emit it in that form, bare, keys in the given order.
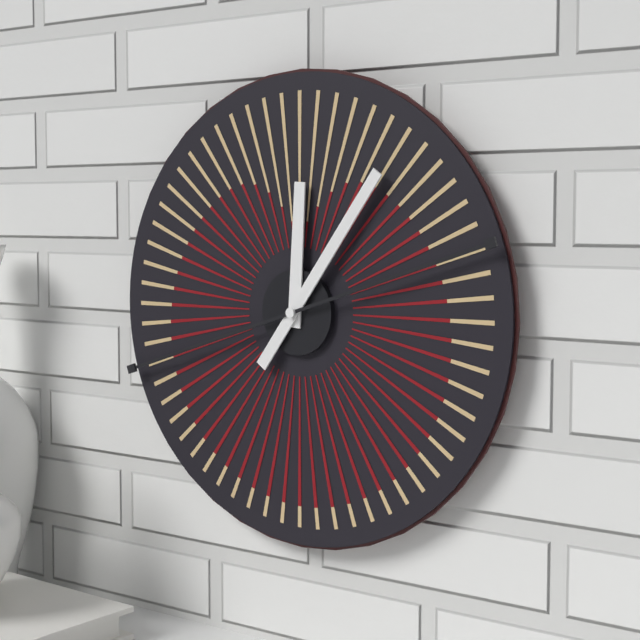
{"hour": 12, "minute": 6}
